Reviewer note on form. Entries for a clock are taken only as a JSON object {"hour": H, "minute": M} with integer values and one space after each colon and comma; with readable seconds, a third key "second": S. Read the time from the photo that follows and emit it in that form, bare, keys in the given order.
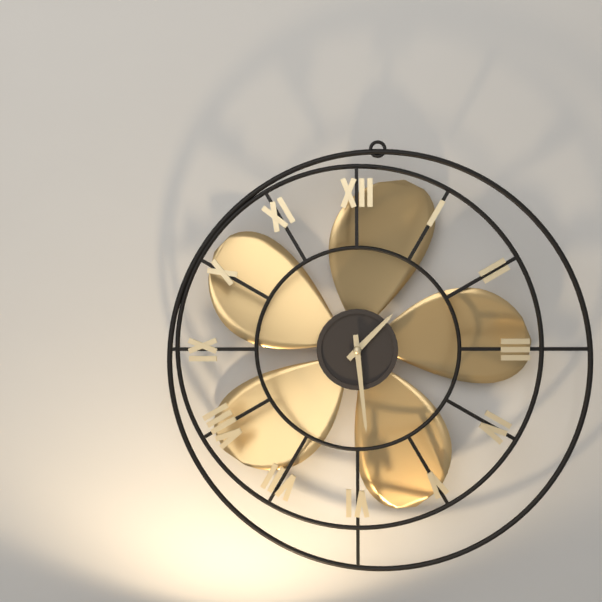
{"hour": 1, "minute": 29}
